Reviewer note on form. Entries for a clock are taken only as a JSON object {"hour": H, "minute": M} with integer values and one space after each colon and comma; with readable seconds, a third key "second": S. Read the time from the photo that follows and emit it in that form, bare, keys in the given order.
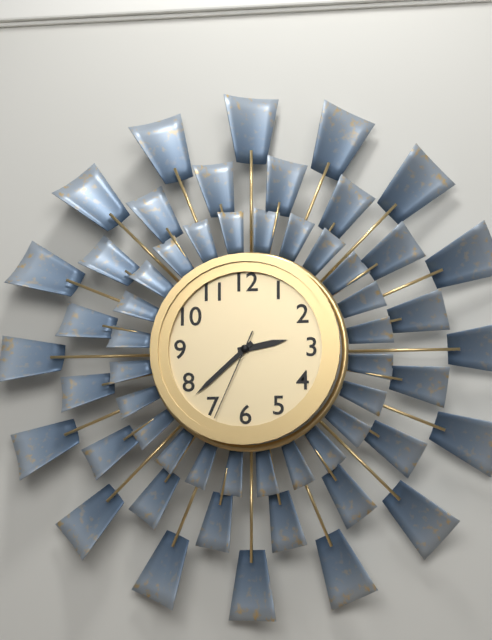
{"hour": 2, "minute": 38, "second": 34}
